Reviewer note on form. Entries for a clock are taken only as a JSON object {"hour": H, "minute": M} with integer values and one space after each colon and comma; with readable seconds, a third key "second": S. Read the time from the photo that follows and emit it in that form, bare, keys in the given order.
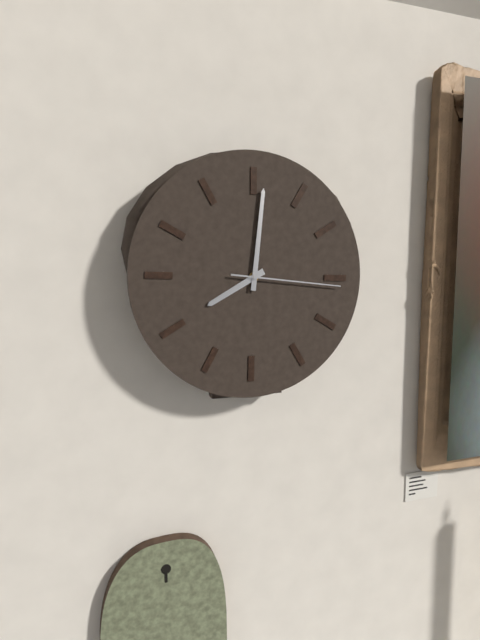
{"hour": 8, "minute": 1, "second": 16}
